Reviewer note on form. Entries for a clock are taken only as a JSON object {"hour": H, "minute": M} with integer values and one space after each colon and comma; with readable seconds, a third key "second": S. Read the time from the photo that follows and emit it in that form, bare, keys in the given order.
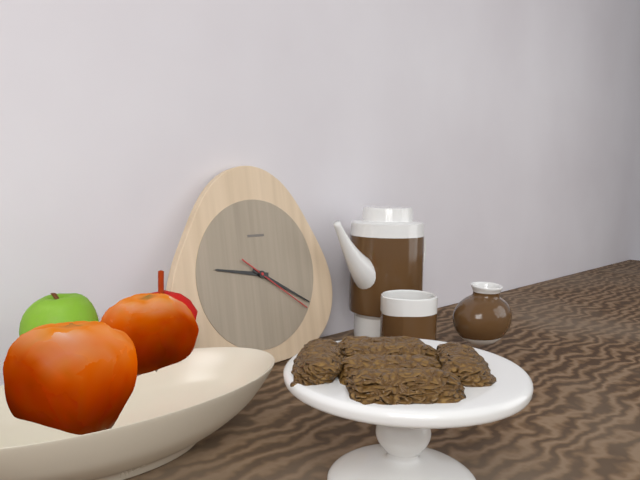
{"hour": 9, "minute": 20, "second": 21}
